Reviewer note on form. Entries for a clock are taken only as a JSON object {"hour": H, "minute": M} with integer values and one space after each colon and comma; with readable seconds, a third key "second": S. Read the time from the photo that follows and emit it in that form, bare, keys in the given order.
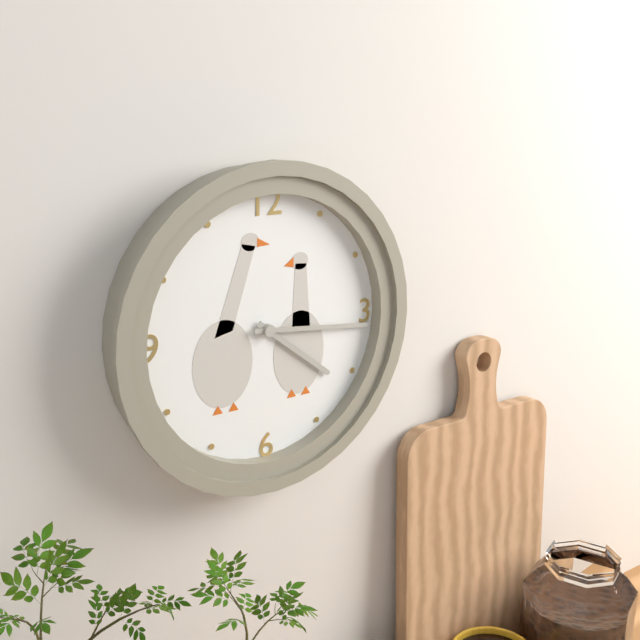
{"hour": 4, "minute": 16}
